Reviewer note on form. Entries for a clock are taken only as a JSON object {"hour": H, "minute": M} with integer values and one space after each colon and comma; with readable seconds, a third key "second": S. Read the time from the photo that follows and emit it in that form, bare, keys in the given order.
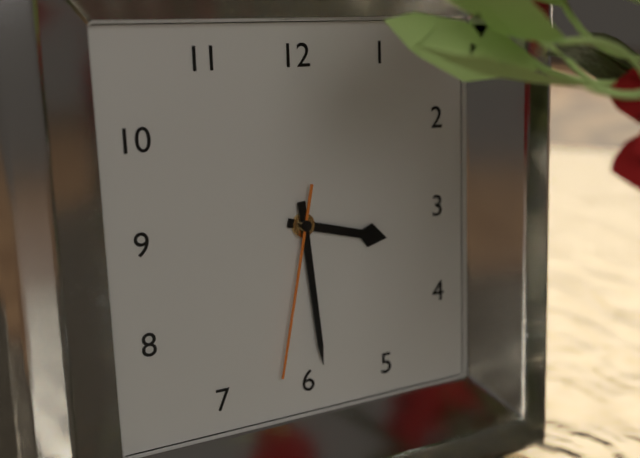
{"hour": 3, "minute": 29, "second": 32}
